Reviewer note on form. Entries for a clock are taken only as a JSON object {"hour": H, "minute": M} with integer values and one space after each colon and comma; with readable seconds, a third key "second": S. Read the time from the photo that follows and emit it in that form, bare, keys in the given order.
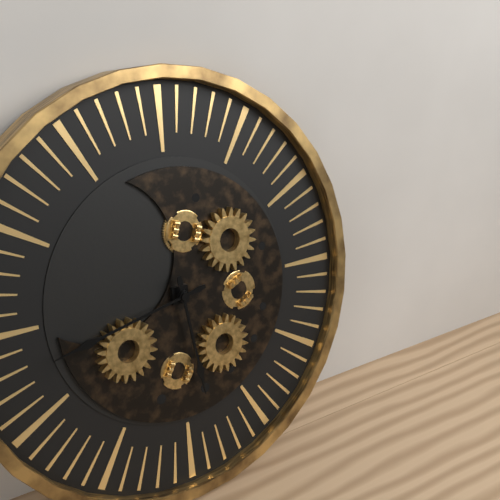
{"hour": 5, "minute": 43}
